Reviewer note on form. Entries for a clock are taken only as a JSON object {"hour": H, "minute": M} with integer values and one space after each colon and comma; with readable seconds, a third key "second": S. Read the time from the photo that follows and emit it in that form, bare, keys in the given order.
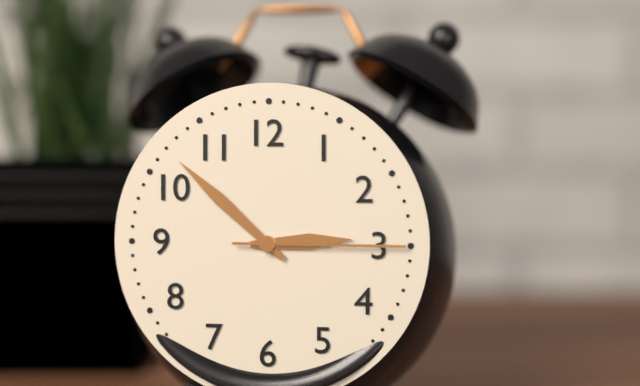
{"hour": 2, "minute": 52, "second": 15}
